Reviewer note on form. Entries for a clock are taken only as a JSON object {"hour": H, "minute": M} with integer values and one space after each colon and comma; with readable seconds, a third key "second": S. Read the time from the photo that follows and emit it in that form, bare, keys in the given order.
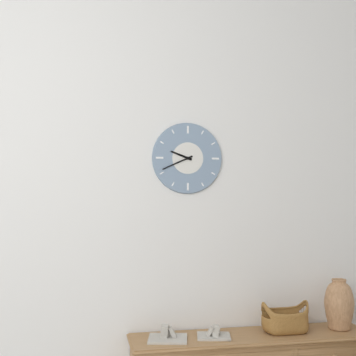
{"hour": 9, "minute": 41}
